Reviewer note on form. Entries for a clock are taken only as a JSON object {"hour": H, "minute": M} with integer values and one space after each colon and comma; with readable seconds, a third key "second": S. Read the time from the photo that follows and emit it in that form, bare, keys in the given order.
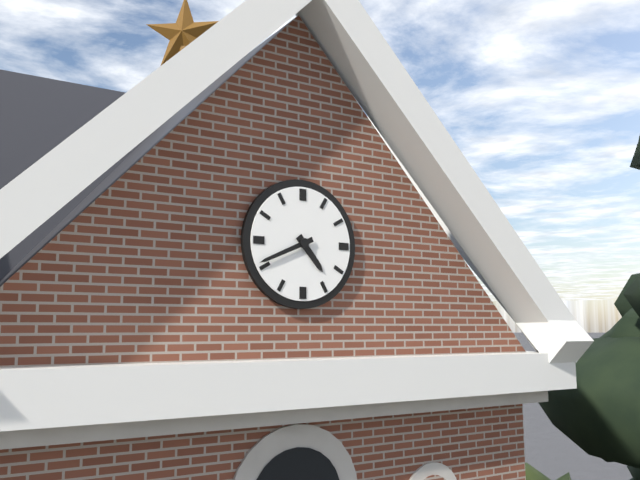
{"hour": 4, "minute": 41}
